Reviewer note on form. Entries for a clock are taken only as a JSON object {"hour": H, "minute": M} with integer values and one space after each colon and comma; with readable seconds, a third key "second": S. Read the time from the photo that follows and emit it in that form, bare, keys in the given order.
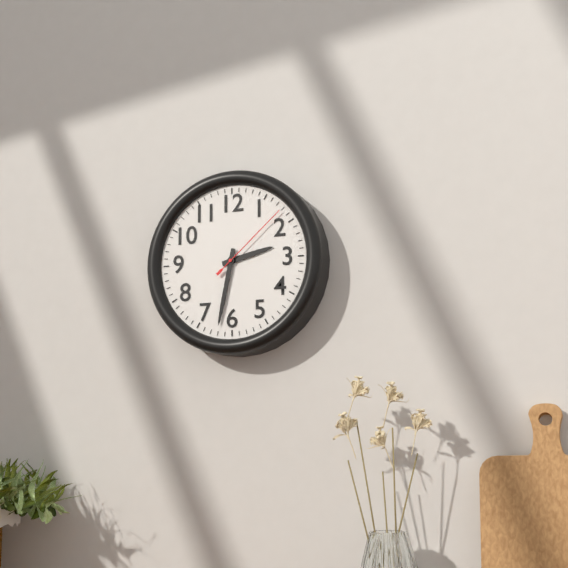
{"hour": 2, "minute": 32, "second": 8}
